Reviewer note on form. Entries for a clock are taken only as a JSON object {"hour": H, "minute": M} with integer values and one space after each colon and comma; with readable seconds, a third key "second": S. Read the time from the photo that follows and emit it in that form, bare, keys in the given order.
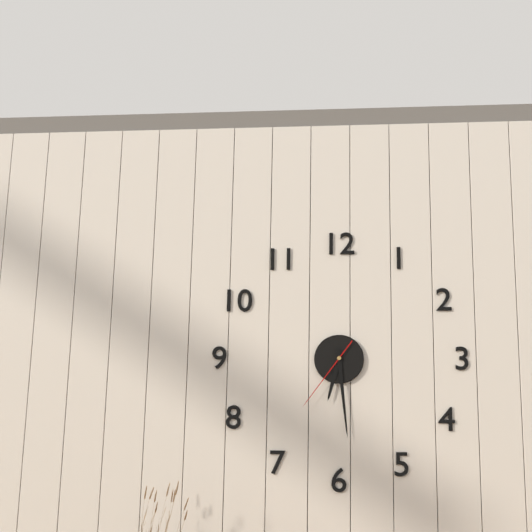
{"hour": 6, "minute": 29, "second": 36}
